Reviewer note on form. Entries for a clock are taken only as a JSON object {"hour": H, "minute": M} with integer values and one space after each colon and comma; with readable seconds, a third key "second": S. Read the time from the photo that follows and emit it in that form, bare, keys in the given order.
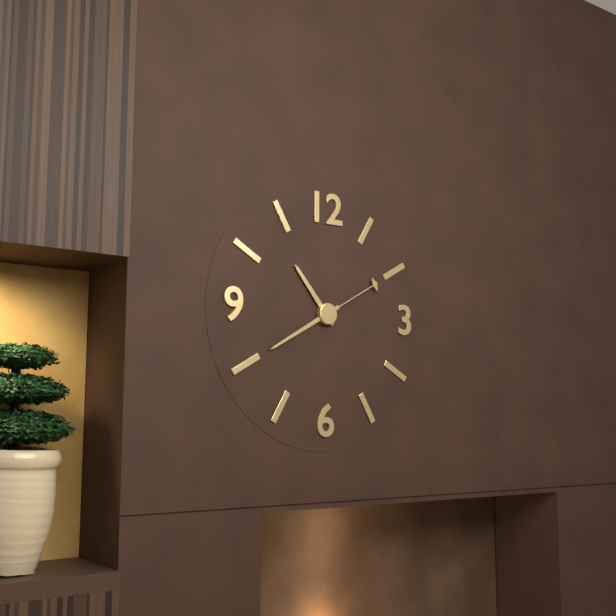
{"hour": 10, "minute": 40, "second": 10}
